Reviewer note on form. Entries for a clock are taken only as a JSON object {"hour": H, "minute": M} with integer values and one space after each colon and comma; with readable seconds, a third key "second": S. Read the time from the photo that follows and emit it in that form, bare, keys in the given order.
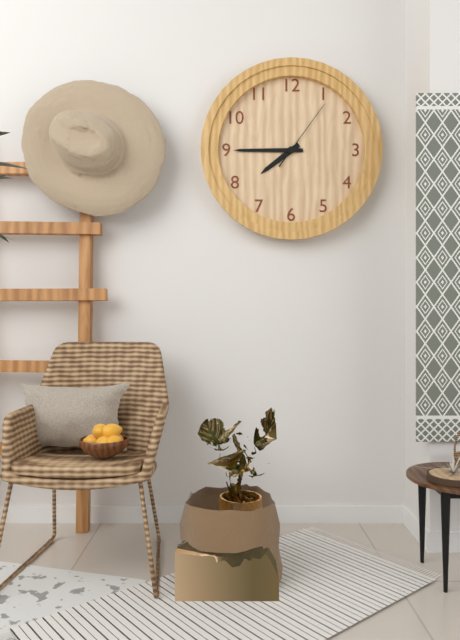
{"hour": 7, "minute": 45, "second": 6}
